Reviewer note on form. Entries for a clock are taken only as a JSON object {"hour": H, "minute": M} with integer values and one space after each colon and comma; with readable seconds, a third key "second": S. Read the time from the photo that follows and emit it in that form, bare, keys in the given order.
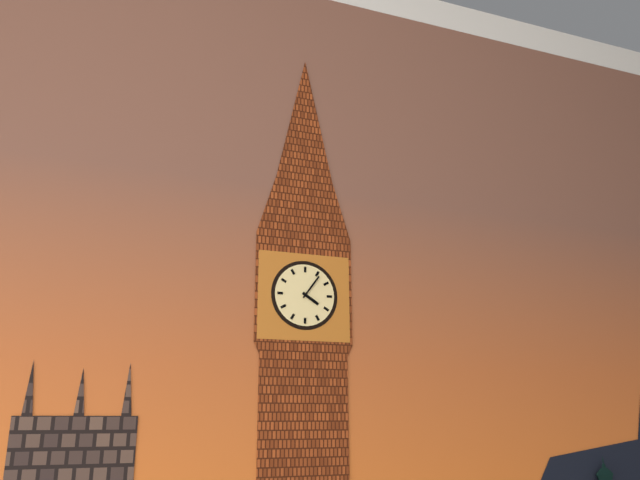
{"hour": 4, "minute": 6}
